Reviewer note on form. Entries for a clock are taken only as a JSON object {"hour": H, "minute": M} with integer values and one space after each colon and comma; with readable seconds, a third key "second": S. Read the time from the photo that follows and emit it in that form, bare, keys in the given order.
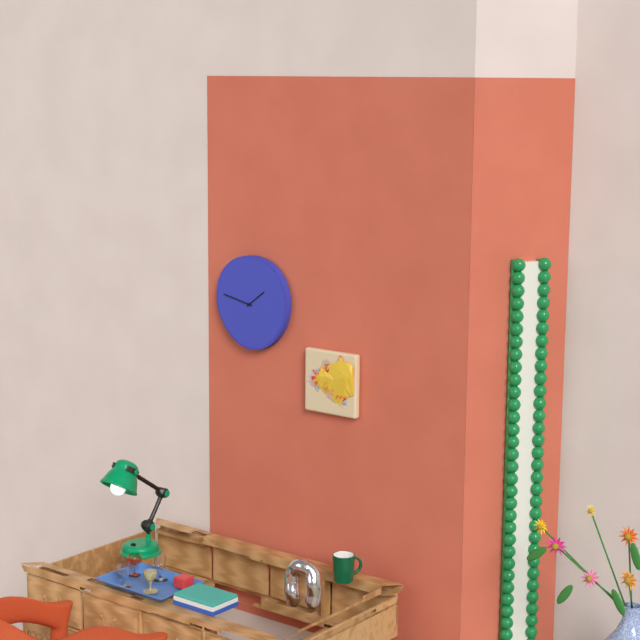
{"hour": 1, "minute": 47}
